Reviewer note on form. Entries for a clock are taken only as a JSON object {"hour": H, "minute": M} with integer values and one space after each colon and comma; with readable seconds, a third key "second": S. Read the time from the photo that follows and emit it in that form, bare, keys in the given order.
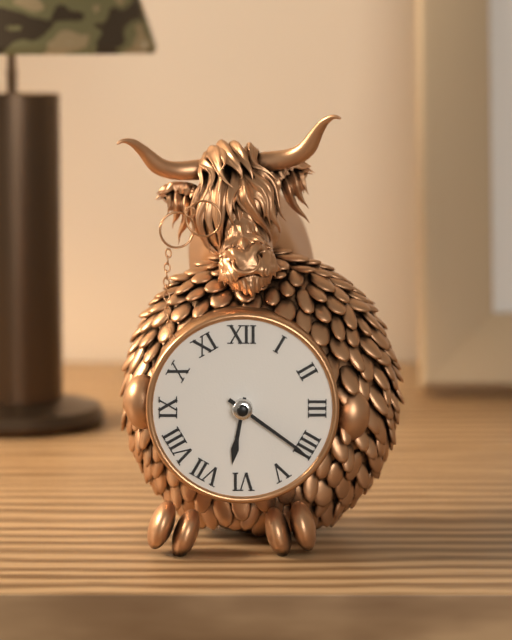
{"hour": 6, "minute": 21}
